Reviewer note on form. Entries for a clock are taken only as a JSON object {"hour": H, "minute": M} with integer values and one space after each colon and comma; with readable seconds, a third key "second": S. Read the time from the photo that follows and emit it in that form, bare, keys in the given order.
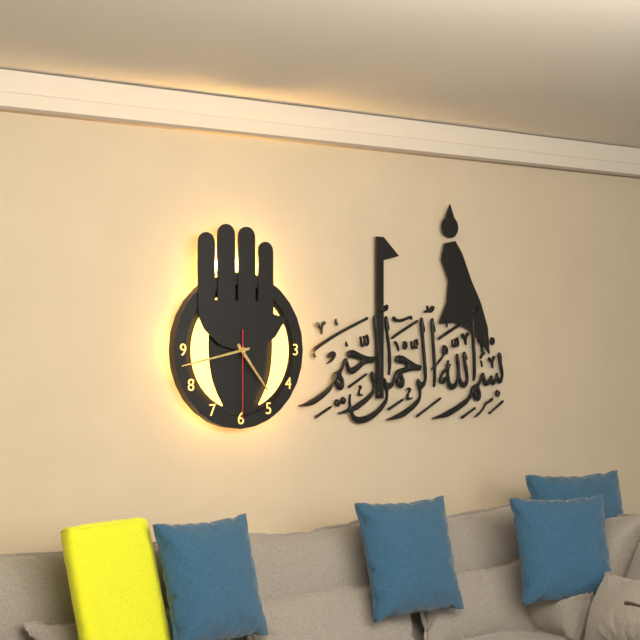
{"hour": 4, "minute": 43, "second": 30}
